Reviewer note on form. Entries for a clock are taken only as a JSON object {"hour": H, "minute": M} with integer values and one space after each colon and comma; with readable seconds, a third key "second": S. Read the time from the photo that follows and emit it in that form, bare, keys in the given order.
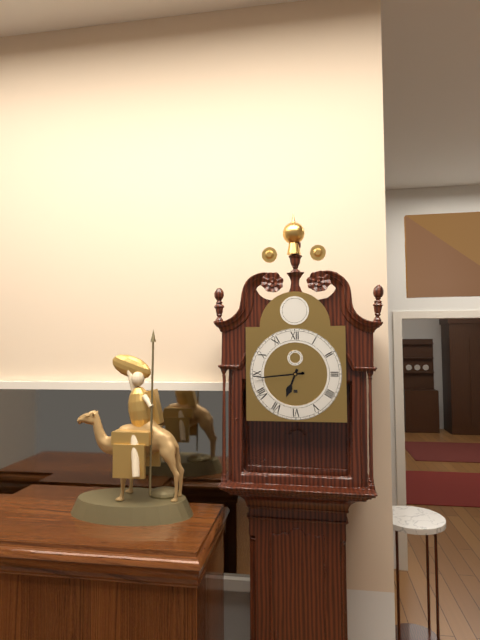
{"hour": 6, "minute": 44}
